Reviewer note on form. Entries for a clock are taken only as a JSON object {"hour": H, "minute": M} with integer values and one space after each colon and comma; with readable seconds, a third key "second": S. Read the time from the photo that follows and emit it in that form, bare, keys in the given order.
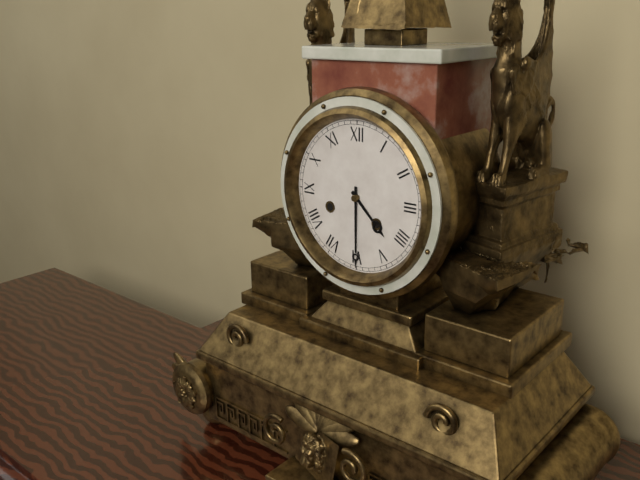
{"hour": 4, "minute": 30}
